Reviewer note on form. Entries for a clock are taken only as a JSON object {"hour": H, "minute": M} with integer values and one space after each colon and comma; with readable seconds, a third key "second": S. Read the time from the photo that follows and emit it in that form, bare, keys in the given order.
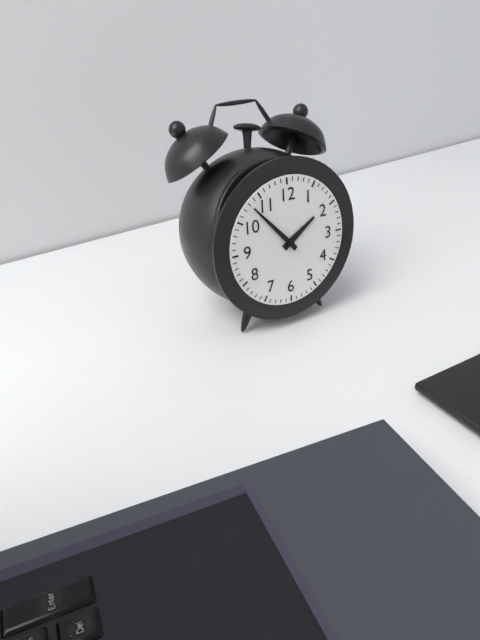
{"hour": 1, "minute": 53}
